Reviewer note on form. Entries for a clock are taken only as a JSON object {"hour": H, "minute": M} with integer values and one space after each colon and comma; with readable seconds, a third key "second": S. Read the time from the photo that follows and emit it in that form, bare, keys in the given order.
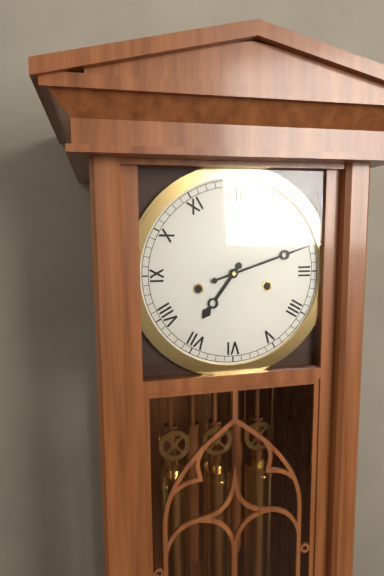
{"hour": 7, "minute": 12}
